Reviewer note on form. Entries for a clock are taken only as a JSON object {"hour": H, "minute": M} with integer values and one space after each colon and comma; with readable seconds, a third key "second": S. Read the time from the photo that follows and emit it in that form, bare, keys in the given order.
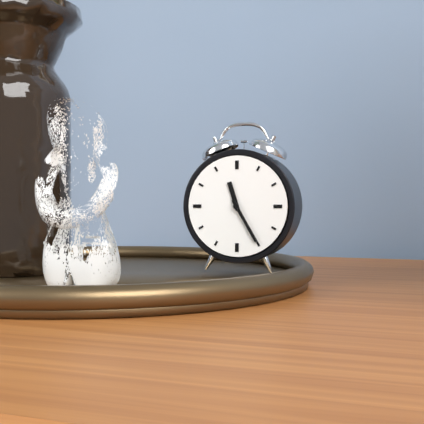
{"hour": 11, "minute": 25}
